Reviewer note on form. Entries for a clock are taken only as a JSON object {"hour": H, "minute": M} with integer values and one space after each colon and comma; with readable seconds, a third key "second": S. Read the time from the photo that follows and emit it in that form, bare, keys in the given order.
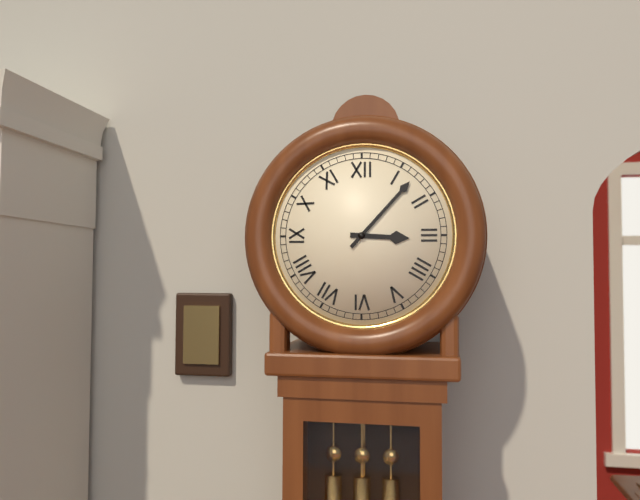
{"hour": 3, "minute": 7}
